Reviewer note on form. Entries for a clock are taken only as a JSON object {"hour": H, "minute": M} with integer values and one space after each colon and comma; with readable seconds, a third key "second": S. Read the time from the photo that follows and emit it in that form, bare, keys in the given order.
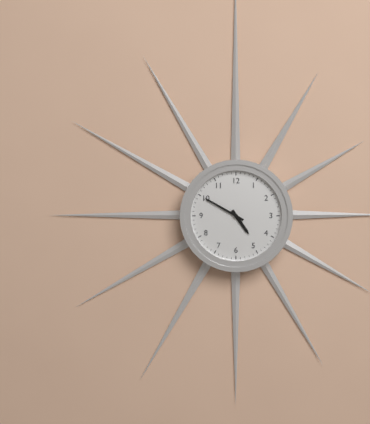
{"hour": 4, "minute": 50}
